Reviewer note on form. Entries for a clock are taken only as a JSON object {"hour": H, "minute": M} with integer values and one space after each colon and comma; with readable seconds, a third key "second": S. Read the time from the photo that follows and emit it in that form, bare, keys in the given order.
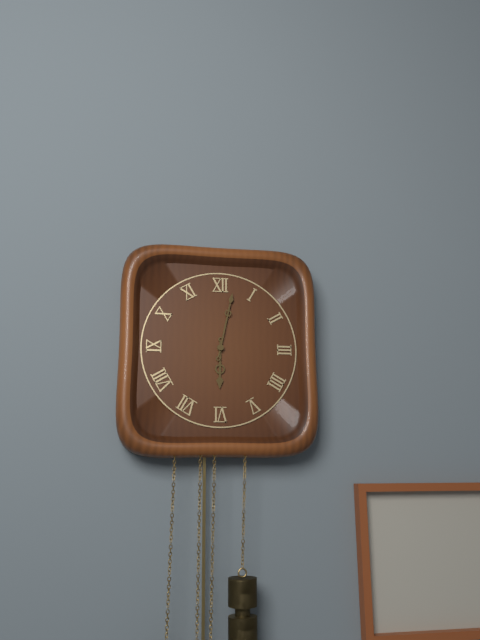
{"hour": 6, "minute": 2}
